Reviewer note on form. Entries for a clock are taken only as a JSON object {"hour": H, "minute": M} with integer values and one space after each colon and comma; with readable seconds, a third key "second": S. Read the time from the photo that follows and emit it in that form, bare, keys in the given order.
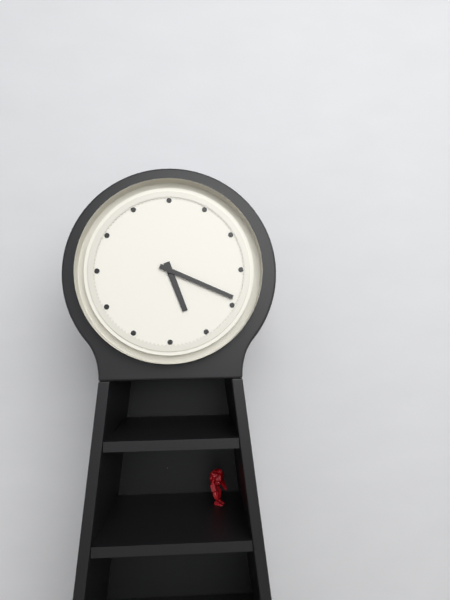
{"hour": 5, "minute": 19}
